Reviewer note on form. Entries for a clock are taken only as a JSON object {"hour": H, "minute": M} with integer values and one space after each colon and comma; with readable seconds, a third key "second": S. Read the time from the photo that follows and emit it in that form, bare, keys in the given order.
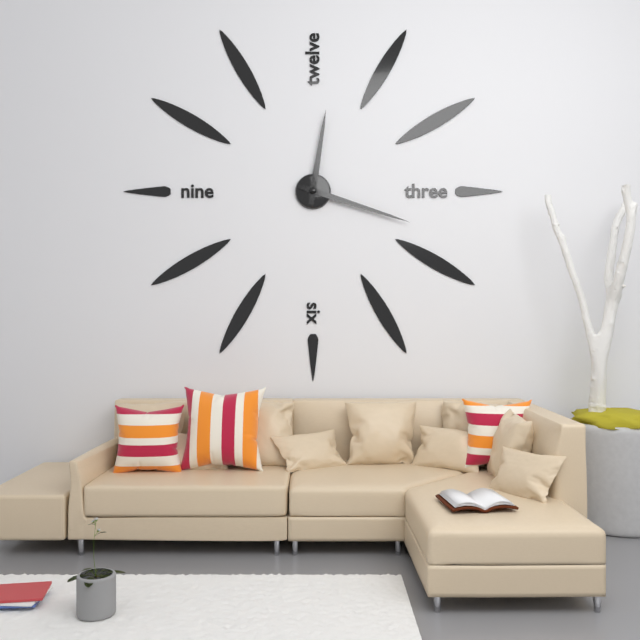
{"hour": 12, "minute": 18}
